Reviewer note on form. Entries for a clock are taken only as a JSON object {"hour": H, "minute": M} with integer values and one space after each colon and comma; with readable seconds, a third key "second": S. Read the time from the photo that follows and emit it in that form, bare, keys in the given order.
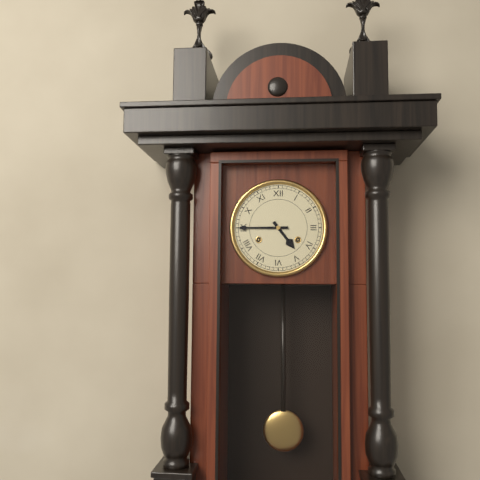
{"hour": 4, "minute": 45}
